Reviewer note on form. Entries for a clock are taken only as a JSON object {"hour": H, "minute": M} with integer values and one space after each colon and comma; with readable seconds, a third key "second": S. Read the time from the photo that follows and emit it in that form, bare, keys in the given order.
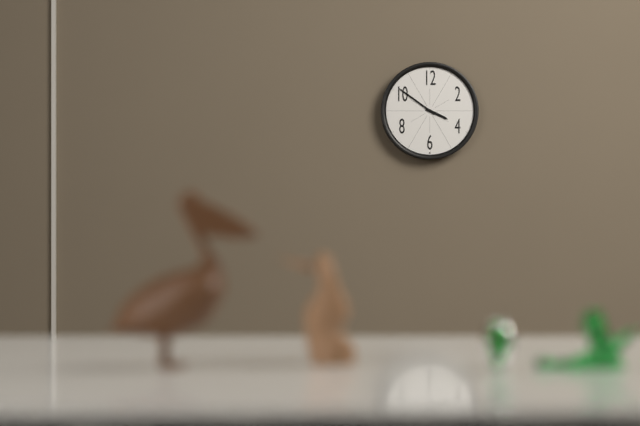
{"hour": 3, "minute": 51}
